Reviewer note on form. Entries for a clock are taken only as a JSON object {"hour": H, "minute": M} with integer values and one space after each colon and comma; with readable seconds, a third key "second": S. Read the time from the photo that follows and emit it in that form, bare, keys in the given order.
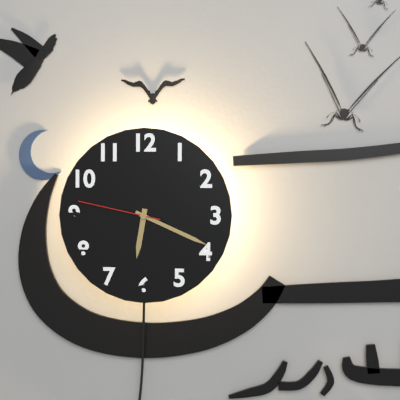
{"hour": 6, "minute": 19, "second": 47}
